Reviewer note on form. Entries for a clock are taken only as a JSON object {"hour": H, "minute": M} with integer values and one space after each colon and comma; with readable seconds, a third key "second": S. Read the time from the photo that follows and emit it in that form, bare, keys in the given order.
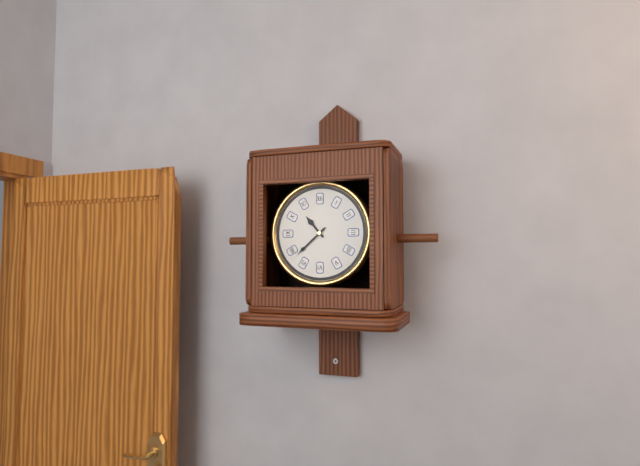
{"hour": 10, "minute": 38}
